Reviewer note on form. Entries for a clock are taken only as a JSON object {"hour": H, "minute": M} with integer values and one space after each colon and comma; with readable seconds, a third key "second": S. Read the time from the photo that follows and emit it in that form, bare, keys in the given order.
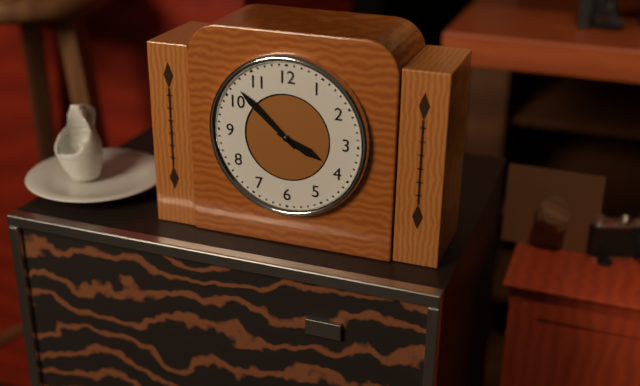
{"hour": 3, "minute": 52}
